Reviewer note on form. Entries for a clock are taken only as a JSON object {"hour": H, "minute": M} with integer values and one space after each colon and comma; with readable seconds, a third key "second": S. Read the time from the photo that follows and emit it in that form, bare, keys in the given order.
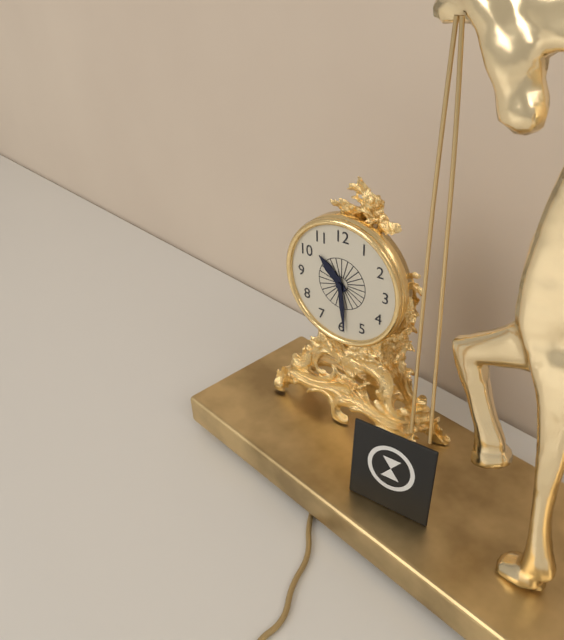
{"hour": 10, "minute": 29}
